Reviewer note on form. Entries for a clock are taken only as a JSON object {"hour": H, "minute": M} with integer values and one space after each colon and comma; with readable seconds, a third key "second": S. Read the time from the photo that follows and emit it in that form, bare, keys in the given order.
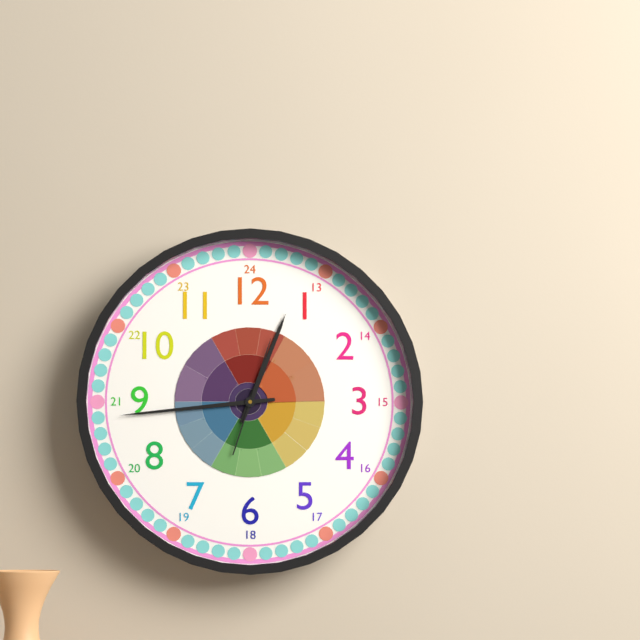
{"hour": 12, "minute": 44, "second": 3}
